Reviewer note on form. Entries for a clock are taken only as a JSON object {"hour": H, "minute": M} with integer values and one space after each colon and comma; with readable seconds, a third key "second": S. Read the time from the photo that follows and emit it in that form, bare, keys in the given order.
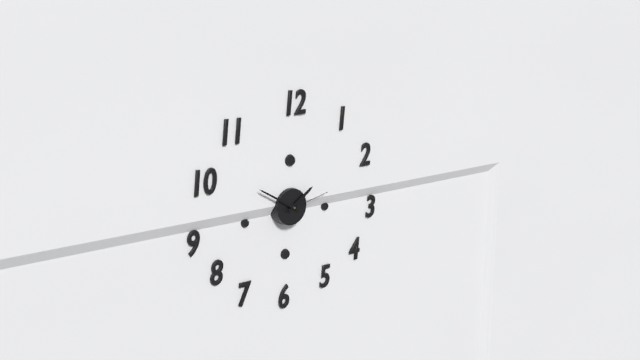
{"hour": 1, "minute": 50}
